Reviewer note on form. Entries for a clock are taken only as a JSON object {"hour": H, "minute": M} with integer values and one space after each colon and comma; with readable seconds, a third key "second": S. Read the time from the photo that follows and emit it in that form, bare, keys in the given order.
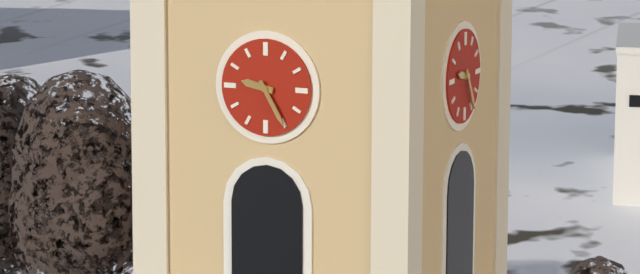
{"hour": 9, "minute": 25}
